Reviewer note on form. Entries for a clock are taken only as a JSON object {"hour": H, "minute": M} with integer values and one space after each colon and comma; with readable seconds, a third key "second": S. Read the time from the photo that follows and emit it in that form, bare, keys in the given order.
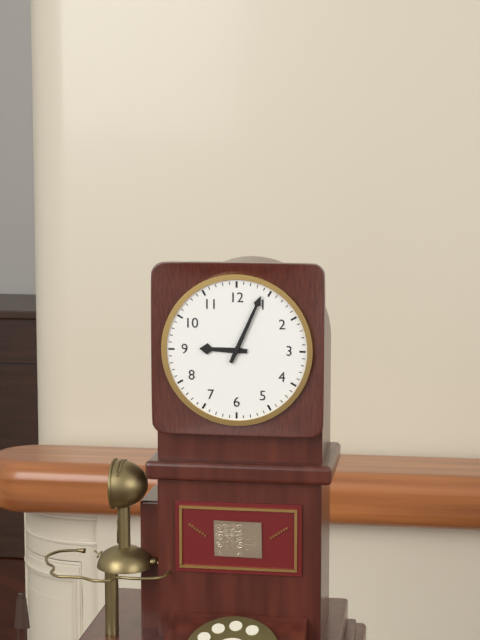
{"hour": 9, "minute": 4}
